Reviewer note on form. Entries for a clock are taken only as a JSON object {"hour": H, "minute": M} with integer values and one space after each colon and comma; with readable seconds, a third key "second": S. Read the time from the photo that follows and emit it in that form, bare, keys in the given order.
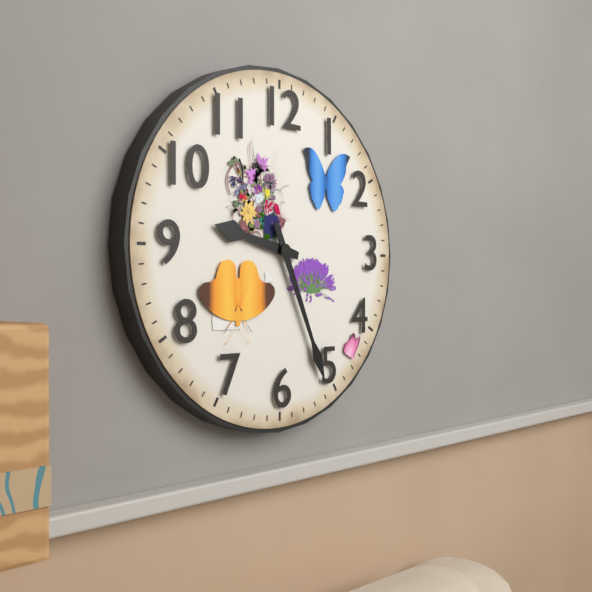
{"hour": 9, "minute": 26}
